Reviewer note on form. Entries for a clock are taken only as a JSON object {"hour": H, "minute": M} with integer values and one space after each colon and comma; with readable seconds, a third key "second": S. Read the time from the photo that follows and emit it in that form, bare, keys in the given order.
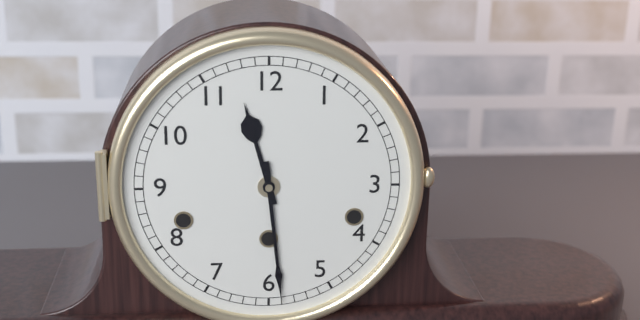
{"hour": 11, "minute": 29}
